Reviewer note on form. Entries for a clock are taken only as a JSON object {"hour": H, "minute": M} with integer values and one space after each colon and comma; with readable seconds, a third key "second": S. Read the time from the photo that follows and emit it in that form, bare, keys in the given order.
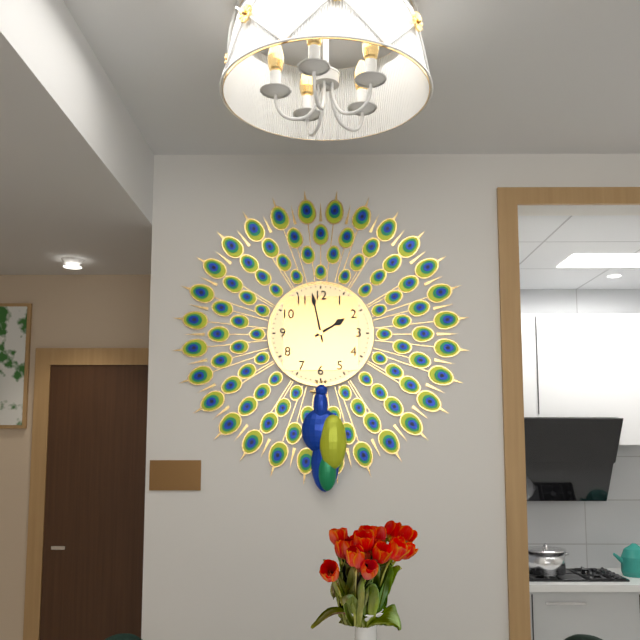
{"hour": 1, "minute": 58}
